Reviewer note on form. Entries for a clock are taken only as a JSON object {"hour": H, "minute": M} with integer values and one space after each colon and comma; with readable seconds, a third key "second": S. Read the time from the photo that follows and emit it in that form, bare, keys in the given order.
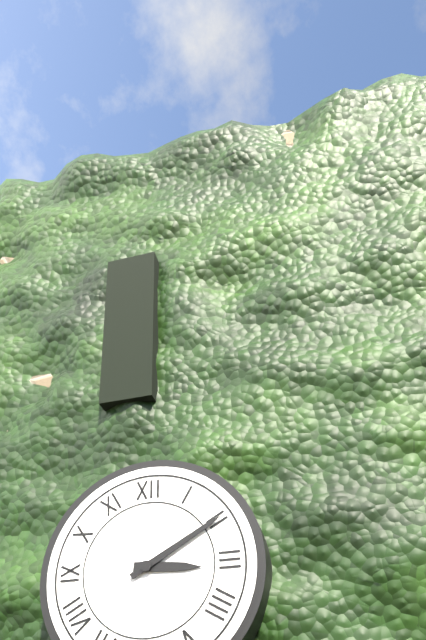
{"hour": 3, "minute": 10}
